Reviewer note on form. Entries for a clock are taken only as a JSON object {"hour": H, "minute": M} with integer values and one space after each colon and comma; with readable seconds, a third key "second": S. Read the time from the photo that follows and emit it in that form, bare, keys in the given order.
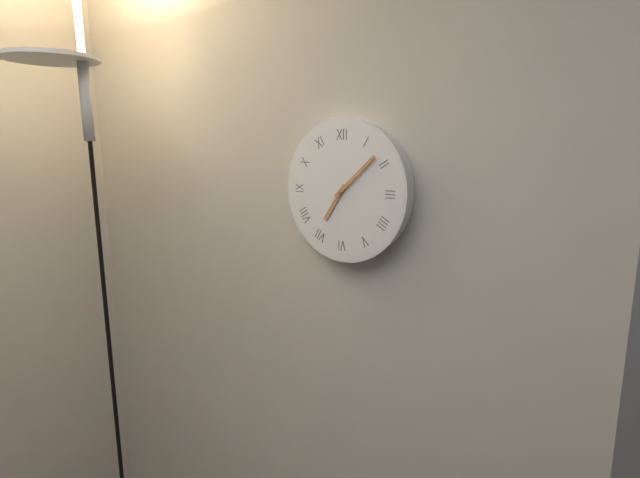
{"hour": 7, "minute": 8}
